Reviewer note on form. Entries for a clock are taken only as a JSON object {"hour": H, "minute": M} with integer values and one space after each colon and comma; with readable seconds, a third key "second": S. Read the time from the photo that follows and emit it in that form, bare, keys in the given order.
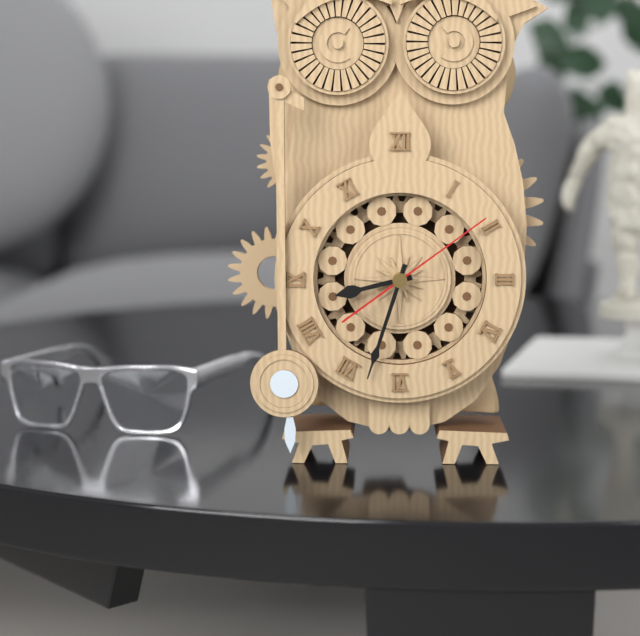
{"hour": 8, "minute": 33, "second": 9}
